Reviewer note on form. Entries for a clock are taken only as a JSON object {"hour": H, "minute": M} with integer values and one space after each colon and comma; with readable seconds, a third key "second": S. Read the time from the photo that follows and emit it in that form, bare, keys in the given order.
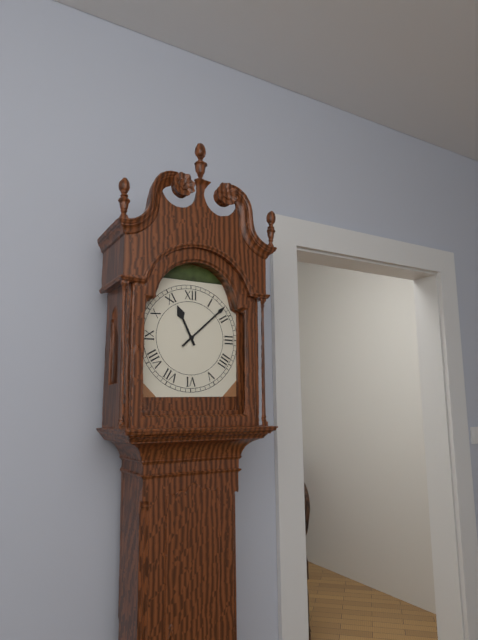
{"hour": 11, "minute": 8}
